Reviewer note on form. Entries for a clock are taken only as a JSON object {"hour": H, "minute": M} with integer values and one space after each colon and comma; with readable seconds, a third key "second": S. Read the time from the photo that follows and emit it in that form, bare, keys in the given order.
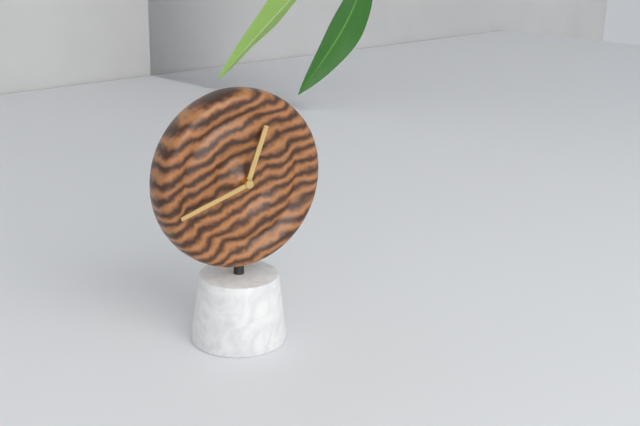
{"hour": 12, "minute": 42}
